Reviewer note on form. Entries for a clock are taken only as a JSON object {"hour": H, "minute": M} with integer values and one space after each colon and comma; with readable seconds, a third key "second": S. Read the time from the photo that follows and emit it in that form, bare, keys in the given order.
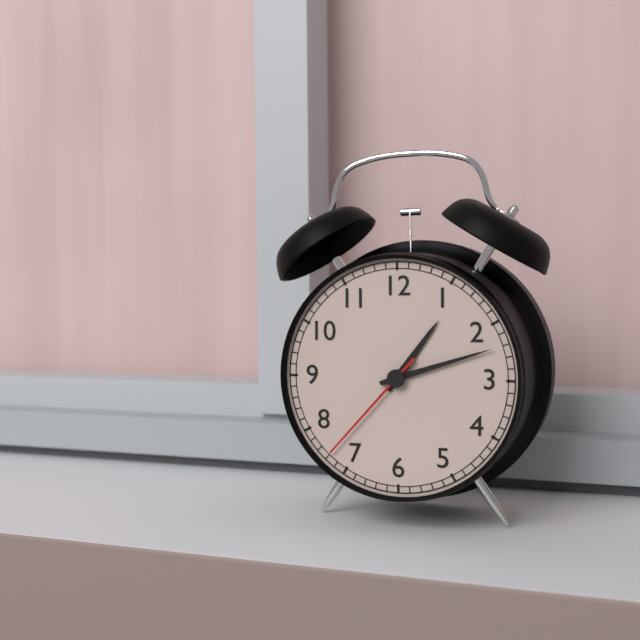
{"hour": 1, "minute": 12, "second": 37}
